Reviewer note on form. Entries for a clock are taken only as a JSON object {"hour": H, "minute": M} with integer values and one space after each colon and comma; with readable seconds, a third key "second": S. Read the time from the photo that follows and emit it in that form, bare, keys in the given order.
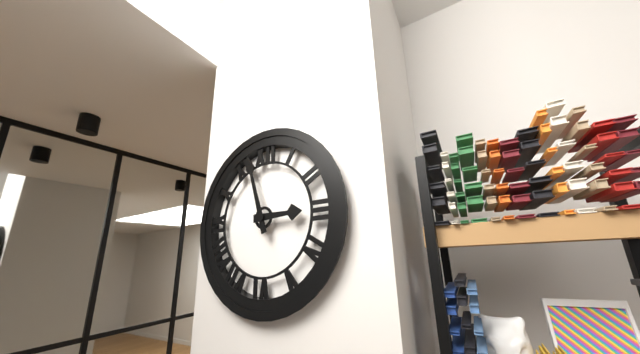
{"hour": 2, "minute": 57}
